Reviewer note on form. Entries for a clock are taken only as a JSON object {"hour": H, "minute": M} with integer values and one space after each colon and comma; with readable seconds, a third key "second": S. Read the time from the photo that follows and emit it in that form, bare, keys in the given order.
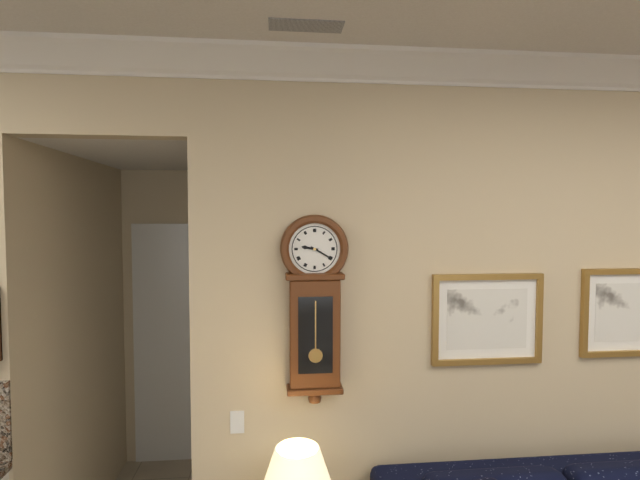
{"hour": 9, "minute": 20}
